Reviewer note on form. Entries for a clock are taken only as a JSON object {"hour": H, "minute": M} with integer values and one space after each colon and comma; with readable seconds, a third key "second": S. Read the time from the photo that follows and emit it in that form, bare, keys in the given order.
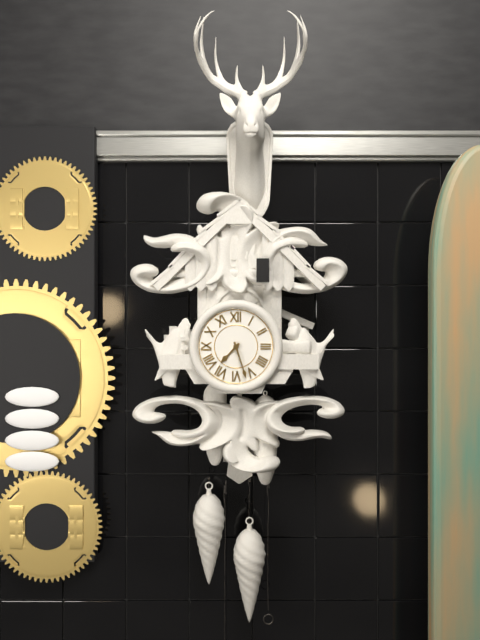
{"hour": 7, "minute": 27}
